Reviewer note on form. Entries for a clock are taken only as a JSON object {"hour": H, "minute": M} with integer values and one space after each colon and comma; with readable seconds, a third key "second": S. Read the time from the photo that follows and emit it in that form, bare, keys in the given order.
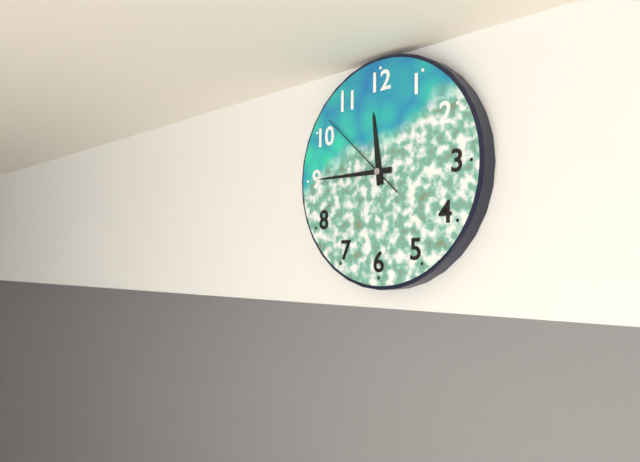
{"hour": 11, "minute": 45, "second": 52}
